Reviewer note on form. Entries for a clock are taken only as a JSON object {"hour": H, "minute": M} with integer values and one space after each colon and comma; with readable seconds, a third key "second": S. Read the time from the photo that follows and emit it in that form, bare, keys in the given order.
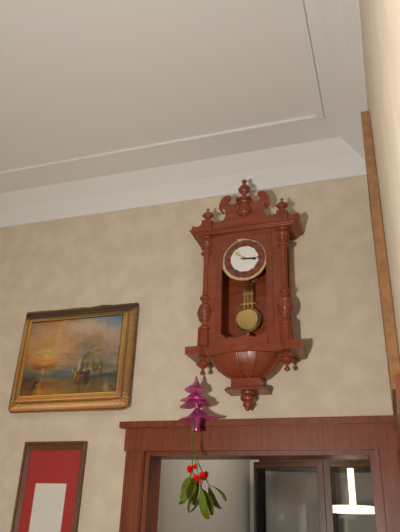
{"hour": 3, "minute": 15}
